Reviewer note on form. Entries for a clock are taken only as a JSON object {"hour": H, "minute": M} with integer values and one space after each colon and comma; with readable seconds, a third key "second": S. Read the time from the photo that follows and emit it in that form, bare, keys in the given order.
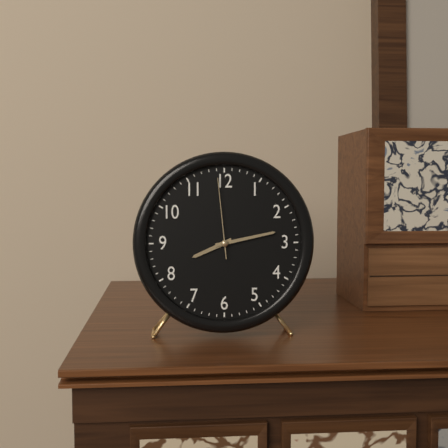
{"hour": 8, "minute": 13, "second": 59}
